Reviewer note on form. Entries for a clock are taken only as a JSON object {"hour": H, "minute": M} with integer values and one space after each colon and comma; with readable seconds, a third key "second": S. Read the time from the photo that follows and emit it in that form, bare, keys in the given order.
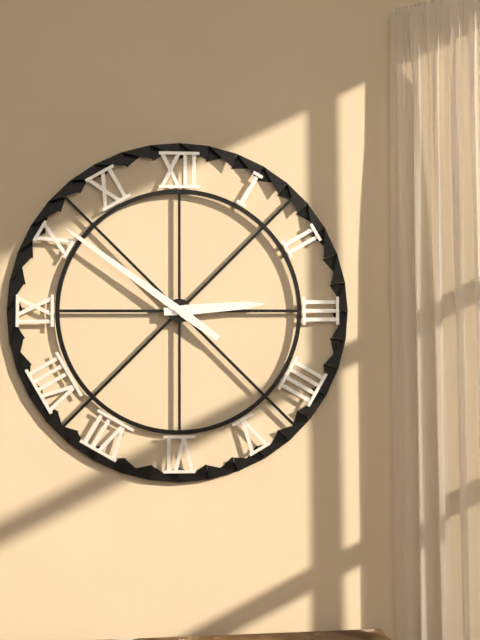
{"hour": 2, "minute": 51}
